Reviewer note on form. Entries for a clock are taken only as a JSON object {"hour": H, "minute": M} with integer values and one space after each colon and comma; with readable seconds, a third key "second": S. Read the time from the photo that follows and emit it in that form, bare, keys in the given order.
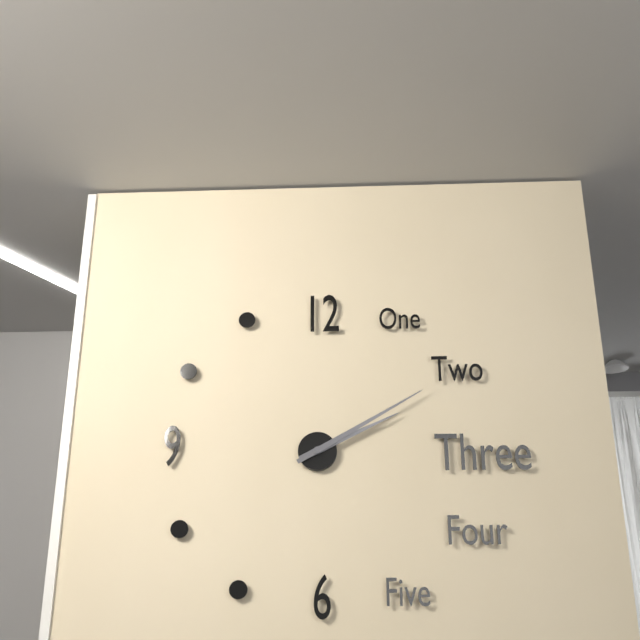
{"hour": 2, "minute": 10}
